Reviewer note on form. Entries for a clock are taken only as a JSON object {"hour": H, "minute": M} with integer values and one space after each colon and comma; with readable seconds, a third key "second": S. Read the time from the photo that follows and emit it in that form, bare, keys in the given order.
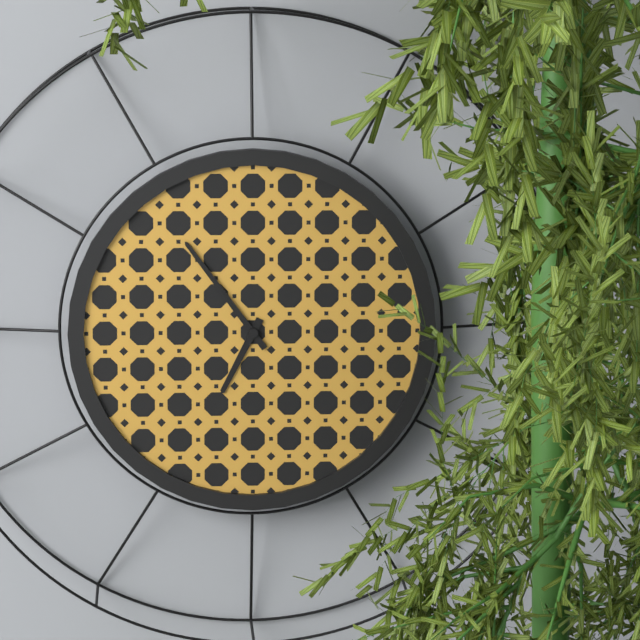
{"hour": 6, "minute": 54}
